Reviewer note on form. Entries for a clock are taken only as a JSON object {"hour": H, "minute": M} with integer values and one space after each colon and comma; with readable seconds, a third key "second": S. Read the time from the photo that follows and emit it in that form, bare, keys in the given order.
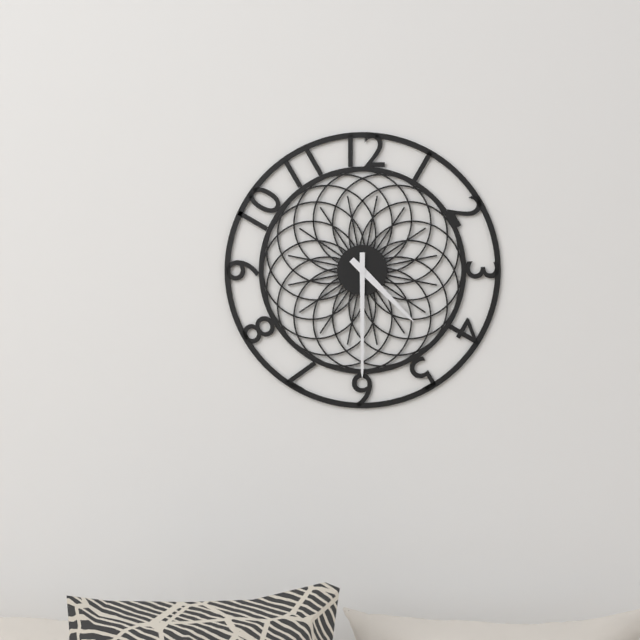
{"hour": 4, "minute": 30}
